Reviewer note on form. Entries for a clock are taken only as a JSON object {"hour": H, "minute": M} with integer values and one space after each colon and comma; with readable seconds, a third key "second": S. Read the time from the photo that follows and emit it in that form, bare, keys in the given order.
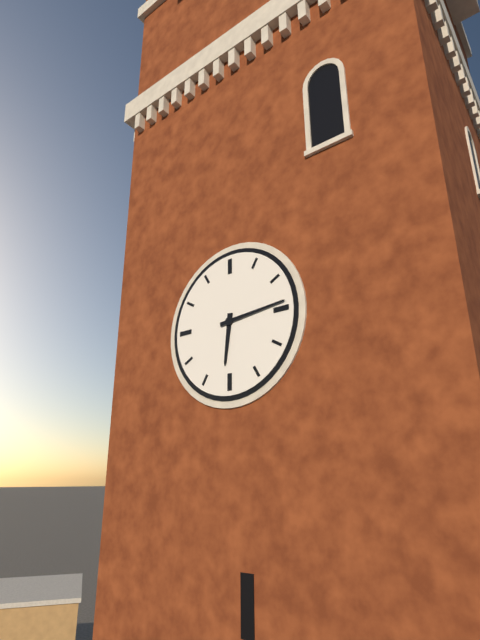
{"hour": 6, "minute": 14}
